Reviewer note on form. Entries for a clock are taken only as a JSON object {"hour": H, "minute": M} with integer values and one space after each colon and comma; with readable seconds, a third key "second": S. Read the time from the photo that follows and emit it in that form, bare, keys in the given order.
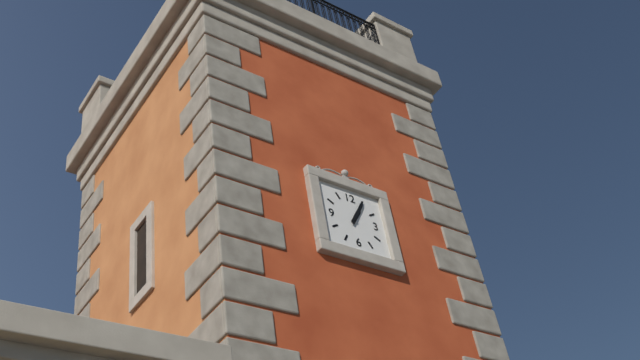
{"hour": 1, "minute": 5}
